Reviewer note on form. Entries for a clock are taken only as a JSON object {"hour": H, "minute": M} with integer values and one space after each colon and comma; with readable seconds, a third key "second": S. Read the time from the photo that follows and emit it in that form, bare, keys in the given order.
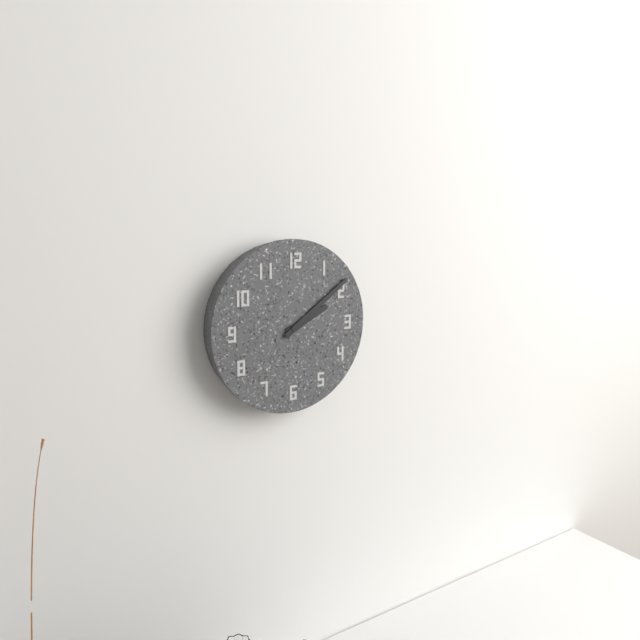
{"hour": 2, "minute": 9}
